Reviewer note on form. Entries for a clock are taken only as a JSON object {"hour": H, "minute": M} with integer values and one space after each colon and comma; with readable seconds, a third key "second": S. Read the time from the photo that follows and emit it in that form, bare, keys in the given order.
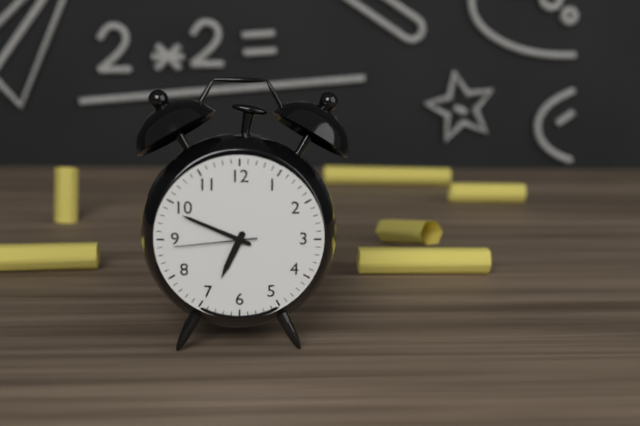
{"hour": 6, "minute": 49, "second": 44}
